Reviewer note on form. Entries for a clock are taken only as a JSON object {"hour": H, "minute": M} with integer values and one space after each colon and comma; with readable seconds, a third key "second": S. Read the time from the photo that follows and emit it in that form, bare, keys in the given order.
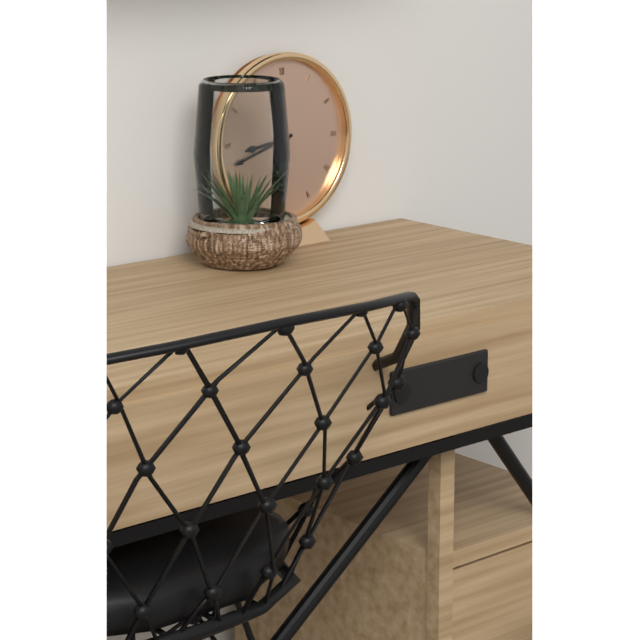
{"hour": 8, "minute": 42}
